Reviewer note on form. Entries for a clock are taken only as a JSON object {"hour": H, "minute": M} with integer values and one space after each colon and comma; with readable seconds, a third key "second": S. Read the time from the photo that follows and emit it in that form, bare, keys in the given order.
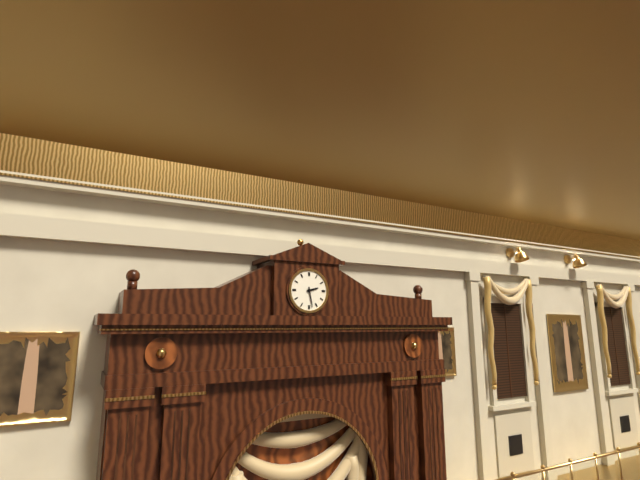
{"hour": 2, "minute": 28}
